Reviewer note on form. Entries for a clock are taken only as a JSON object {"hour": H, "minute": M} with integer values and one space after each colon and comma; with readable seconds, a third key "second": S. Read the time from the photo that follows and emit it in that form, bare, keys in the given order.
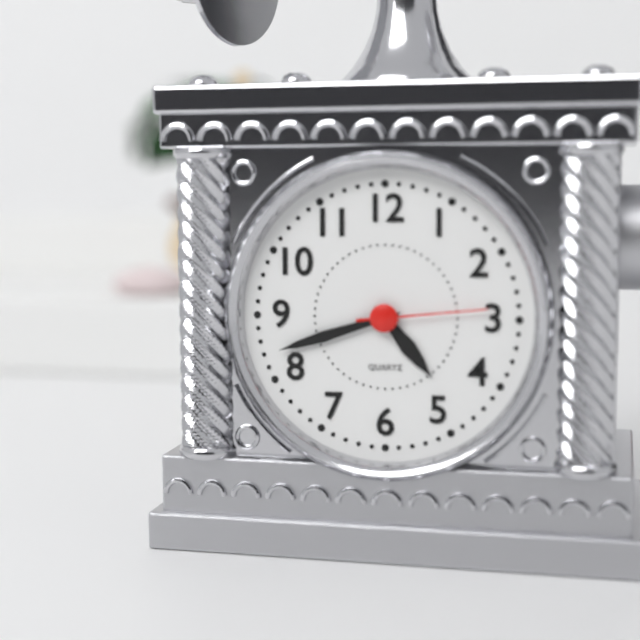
{"hour": 4, "minute": 42, "second": 14}
